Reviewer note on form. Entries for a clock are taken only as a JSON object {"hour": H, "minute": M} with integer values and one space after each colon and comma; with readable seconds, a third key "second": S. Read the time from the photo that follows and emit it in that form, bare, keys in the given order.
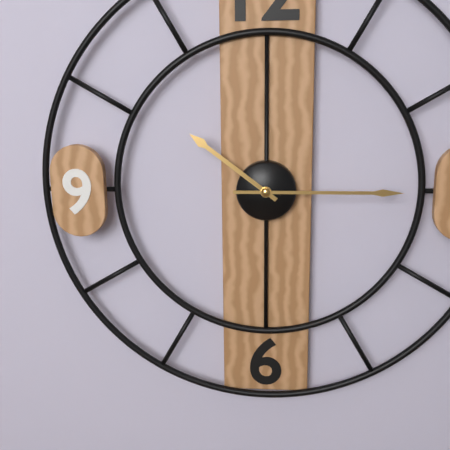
{"hour": 10, "minute": 15}
